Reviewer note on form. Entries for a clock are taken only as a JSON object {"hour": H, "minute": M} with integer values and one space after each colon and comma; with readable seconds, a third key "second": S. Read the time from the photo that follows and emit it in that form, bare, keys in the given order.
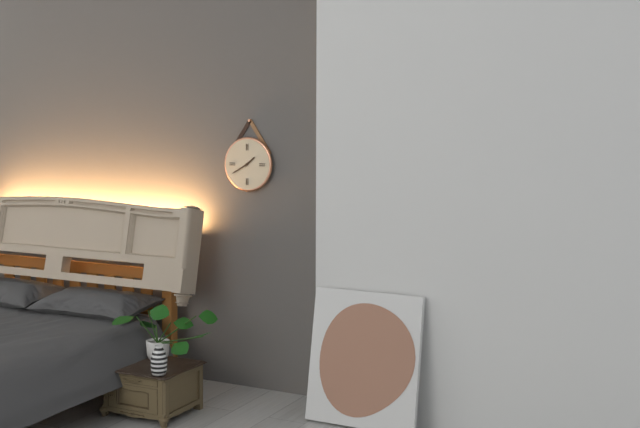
{"hour": 1, "minute": 40}
